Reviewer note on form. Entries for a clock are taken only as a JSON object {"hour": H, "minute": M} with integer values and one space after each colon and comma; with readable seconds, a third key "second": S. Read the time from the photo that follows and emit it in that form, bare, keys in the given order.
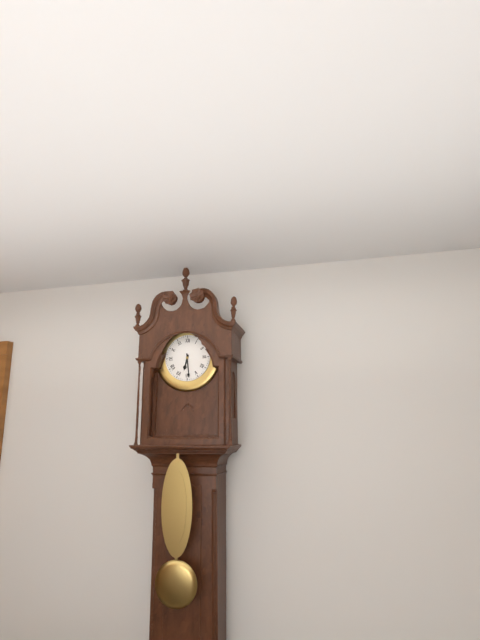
{"hour": 6, "minute": 29}
